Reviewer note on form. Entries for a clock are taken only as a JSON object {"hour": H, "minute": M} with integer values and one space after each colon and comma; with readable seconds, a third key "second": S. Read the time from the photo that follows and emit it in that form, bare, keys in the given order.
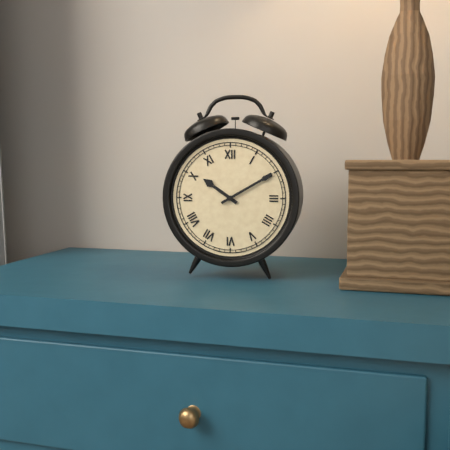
{"hour": 10, "minute": 10}
